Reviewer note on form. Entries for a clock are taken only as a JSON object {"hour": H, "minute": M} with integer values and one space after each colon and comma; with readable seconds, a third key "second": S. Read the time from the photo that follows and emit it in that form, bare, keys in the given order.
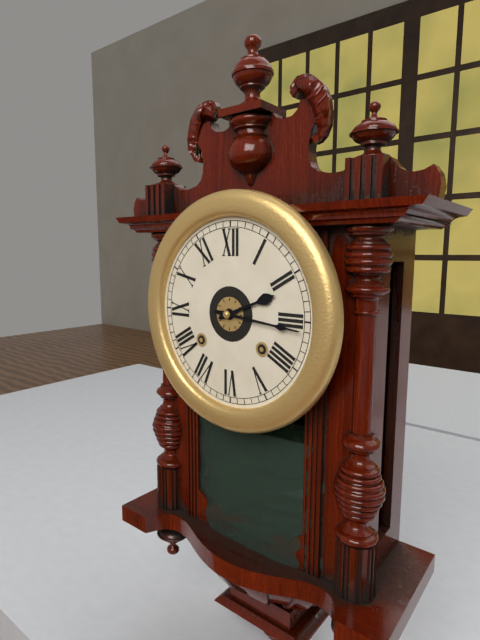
{"hour": 2, "minute": 16}
